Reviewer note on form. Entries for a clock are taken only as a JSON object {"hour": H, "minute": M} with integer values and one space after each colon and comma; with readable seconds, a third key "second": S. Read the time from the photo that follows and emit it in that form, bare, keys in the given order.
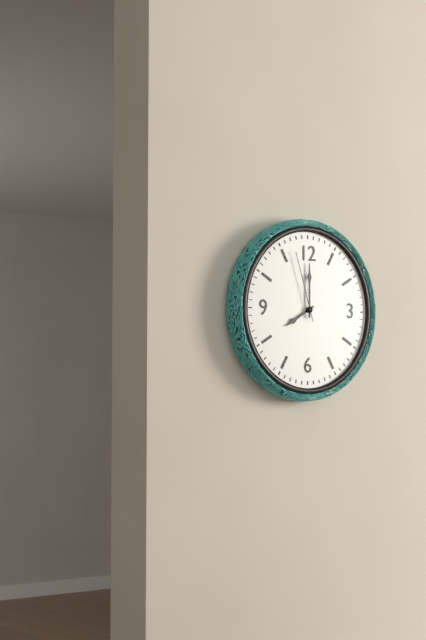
{"hour": 8, "minute": 0, "second": 57}
